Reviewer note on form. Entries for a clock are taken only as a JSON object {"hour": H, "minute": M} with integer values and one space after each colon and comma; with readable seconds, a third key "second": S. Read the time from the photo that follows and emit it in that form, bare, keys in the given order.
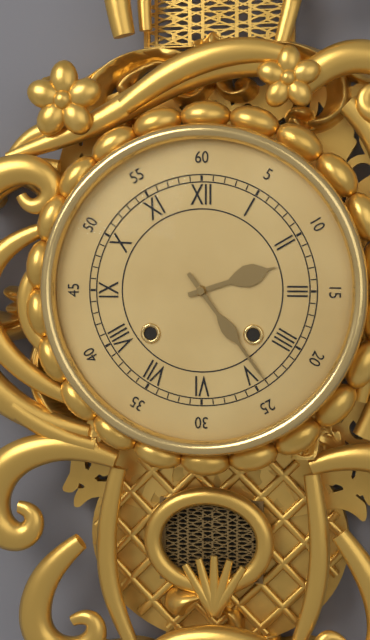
{"hour": 2, "minute": 24}
